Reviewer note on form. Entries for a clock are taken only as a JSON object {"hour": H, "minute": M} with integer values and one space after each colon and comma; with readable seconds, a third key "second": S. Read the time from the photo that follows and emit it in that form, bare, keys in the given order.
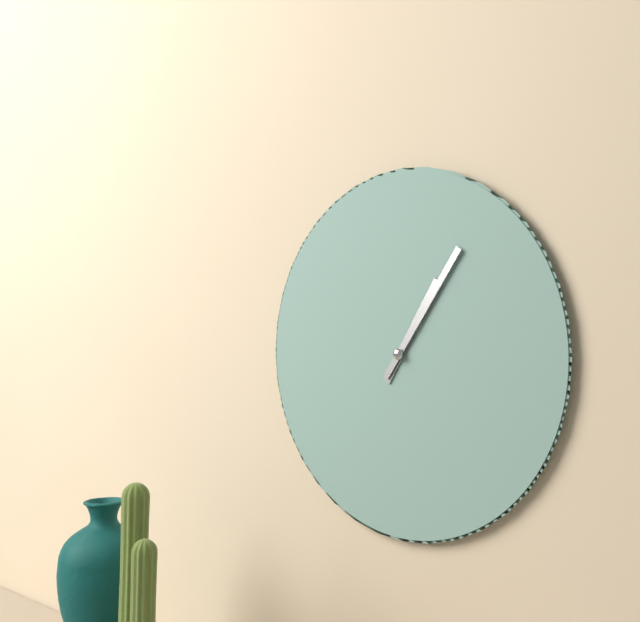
{"hour": 1, "minute": 6}
